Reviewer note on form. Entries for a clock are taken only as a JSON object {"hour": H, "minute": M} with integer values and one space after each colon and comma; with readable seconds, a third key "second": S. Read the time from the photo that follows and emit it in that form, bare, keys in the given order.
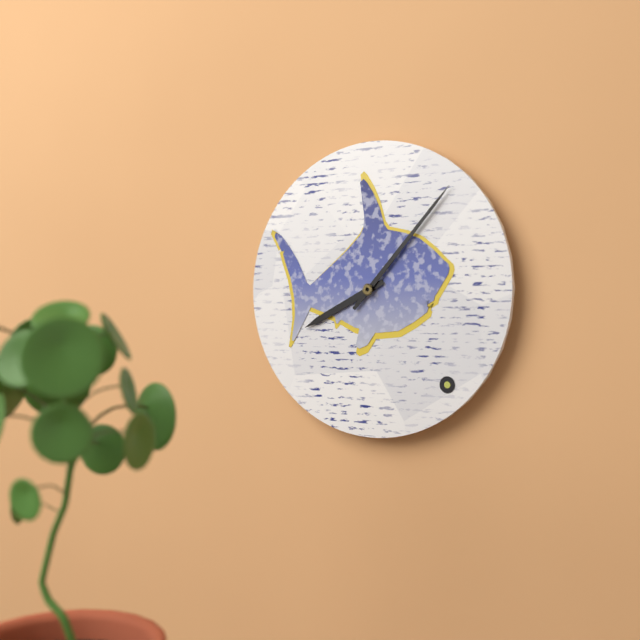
{"hour": 8, "minute": 7}
